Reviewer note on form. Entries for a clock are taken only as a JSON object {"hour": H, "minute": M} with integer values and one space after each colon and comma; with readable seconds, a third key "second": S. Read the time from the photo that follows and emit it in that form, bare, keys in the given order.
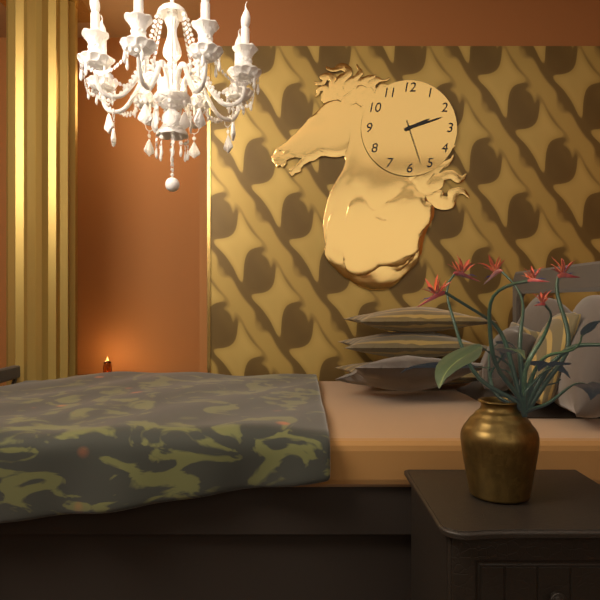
{"hour": 2, "minute": 12}
